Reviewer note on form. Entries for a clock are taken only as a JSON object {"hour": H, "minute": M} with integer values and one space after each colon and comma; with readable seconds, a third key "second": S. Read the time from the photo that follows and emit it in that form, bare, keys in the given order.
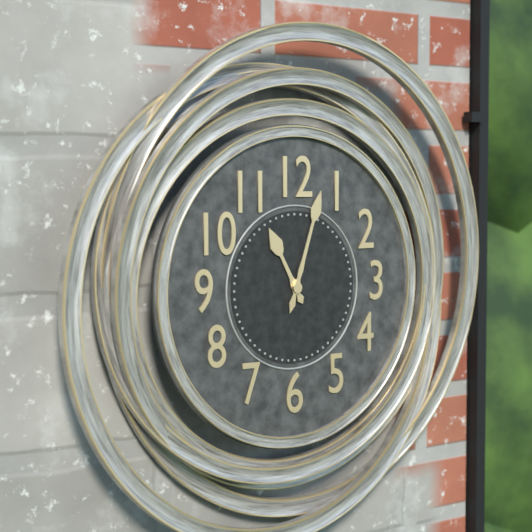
{"hour": 11, "minute": 3}
